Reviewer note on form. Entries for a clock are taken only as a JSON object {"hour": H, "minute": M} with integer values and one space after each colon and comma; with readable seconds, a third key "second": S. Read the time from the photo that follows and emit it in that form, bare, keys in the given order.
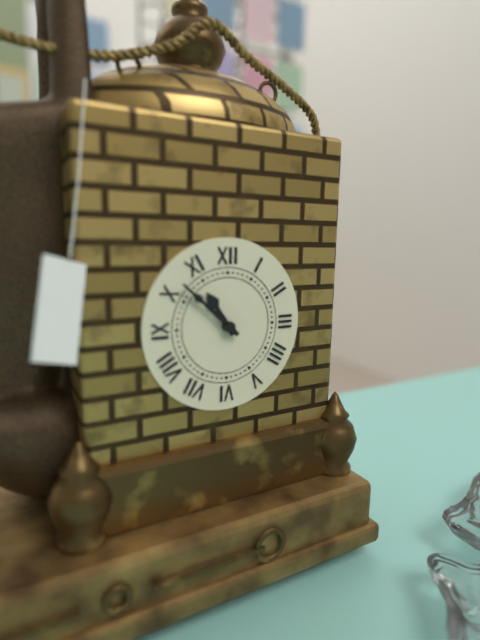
{"hour": 10, "minute": 52}
